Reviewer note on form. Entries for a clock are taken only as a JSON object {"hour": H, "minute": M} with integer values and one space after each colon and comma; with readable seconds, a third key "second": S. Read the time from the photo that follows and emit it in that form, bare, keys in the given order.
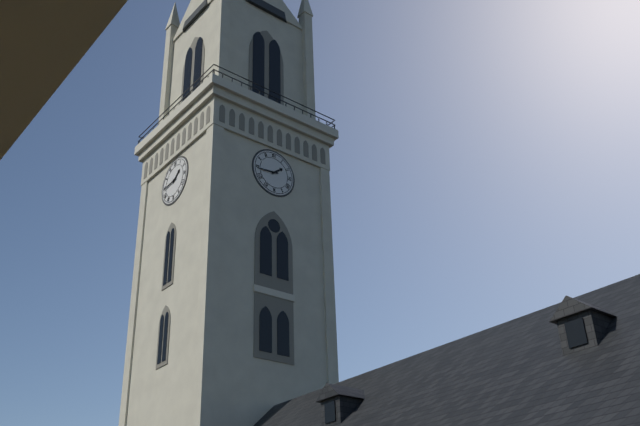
{"hour": 1, "minute": 44}
